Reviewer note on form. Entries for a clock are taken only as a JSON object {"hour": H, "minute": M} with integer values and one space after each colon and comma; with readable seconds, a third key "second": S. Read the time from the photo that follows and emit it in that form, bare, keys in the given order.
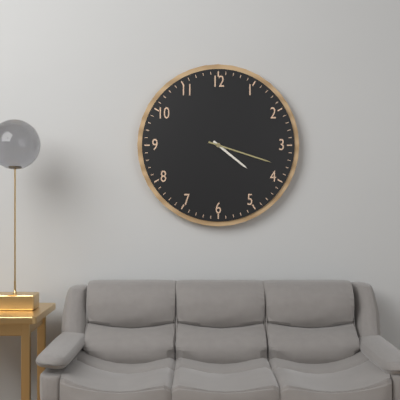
{"hour": 4, "minute": 18}
